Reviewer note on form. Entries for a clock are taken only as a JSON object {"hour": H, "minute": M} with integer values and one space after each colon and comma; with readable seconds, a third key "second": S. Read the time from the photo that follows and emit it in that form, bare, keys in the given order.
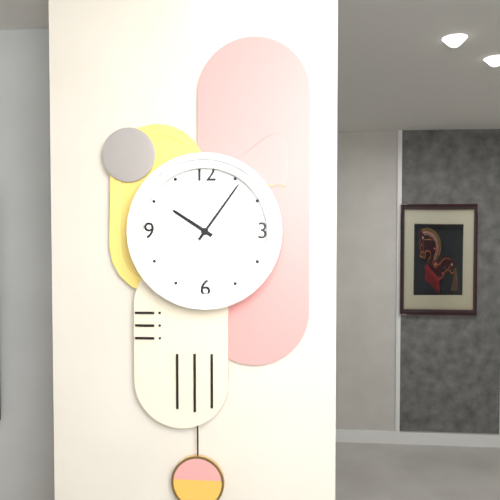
{"hour": 10, "minute": 6}
